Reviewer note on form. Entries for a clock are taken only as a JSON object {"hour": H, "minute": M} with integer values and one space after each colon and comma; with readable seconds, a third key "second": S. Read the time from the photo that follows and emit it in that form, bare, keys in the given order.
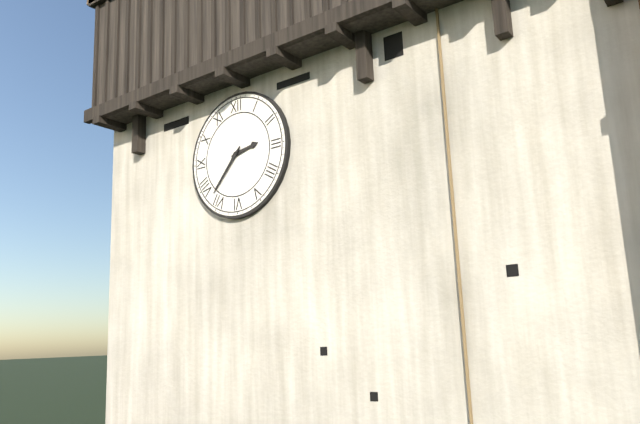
{"hour": 2, "minute": 37}
